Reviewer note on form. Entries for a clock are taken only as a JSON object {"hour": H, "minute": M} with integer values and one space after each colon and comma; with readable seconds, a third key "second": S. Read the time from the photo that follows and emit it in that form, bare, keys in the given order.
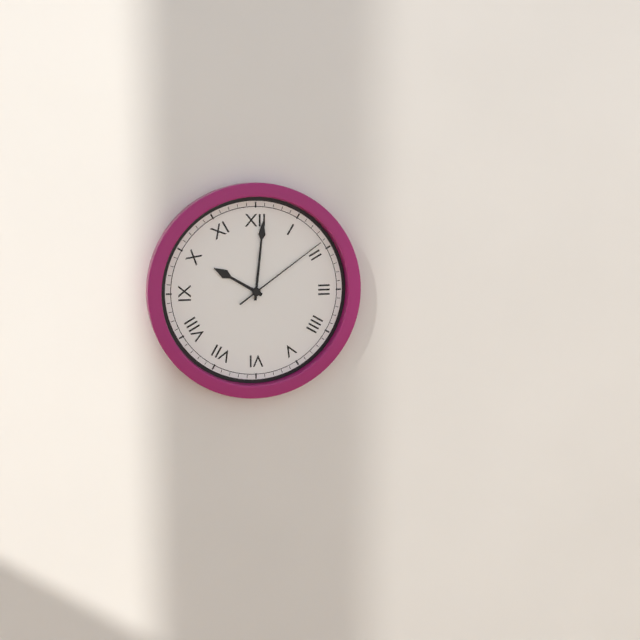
{"hour": 10, "minute": 1, "second": 9}
